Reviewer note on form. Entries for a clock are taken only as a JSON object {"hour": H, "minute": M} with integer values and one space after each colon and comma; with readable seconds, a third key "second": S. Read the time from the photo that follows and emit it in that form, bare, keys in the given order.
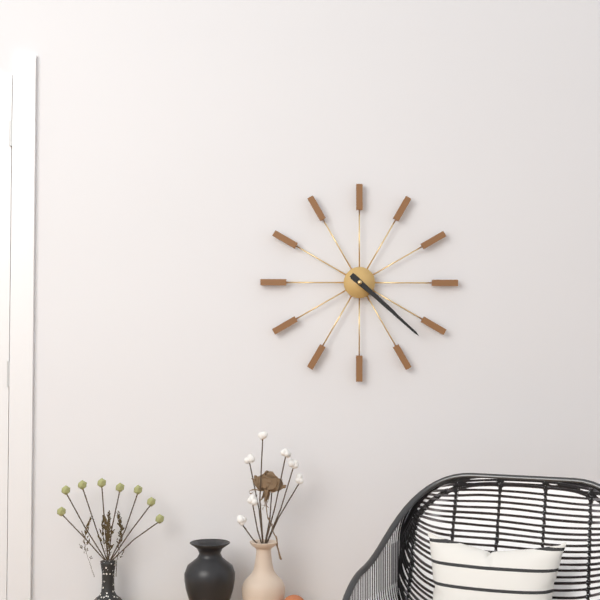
{"hour": 4, "minute": 22}
